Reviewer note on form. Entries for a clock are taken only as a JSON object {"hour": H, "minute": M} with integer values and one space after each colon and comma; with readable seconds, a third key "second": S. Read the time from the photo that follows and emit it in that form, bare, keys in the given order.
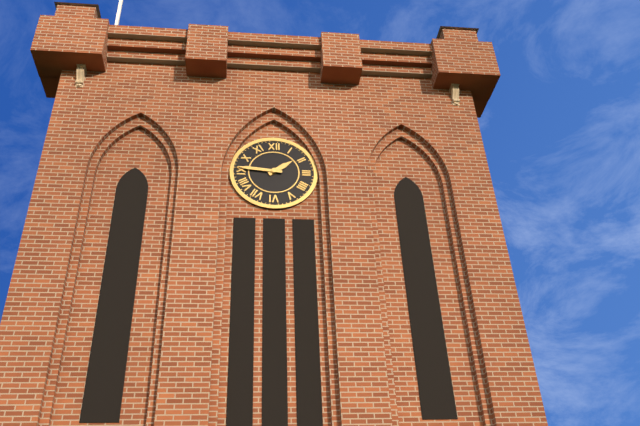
{"hour": 1, "minute": 46}
